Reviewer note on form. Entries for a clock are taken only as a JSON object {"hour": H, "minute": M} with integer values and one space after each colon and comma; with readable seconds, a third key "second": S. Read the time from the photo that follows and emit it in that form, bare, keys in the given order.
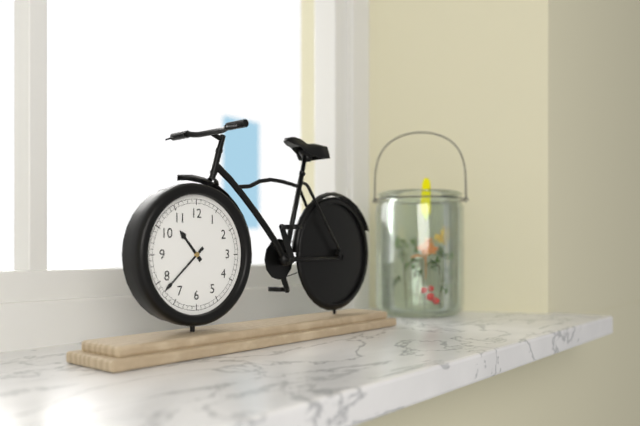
{"hour": 10, "minute": 38}
